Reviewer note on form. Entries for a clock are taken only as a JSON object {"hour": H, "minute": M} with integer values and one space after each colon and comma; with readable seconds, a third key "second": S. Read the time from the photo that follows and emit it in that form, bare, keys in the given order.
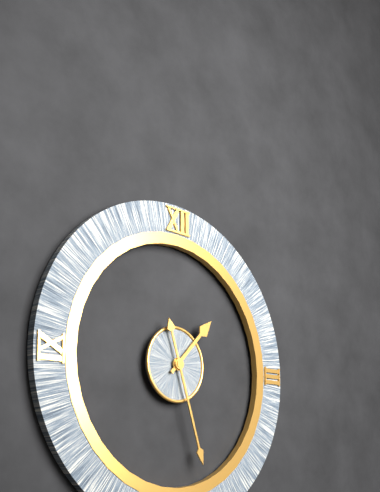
{"hour": 1, "minute": 27}
